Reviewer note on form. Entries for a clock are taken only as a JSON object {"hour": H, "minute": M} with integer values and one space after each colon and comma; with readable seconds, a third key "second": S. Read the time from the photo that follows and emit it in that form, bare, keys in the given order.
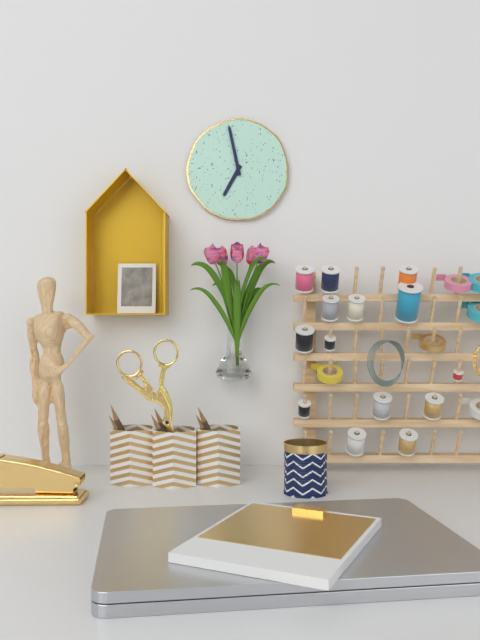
{"hour": 6, "minute": 58}
